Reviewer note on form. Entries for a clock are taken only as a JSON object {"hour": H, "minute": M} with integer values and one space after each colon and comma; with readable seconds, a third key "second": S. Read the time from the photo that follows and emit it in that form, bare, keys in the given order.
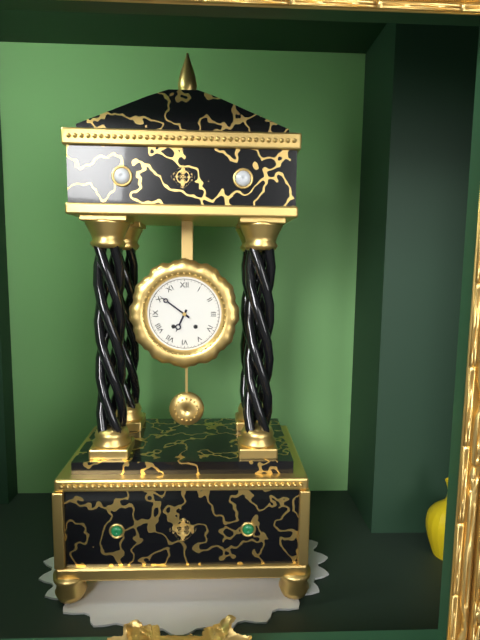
{"hour": 6, "minute": 51}
